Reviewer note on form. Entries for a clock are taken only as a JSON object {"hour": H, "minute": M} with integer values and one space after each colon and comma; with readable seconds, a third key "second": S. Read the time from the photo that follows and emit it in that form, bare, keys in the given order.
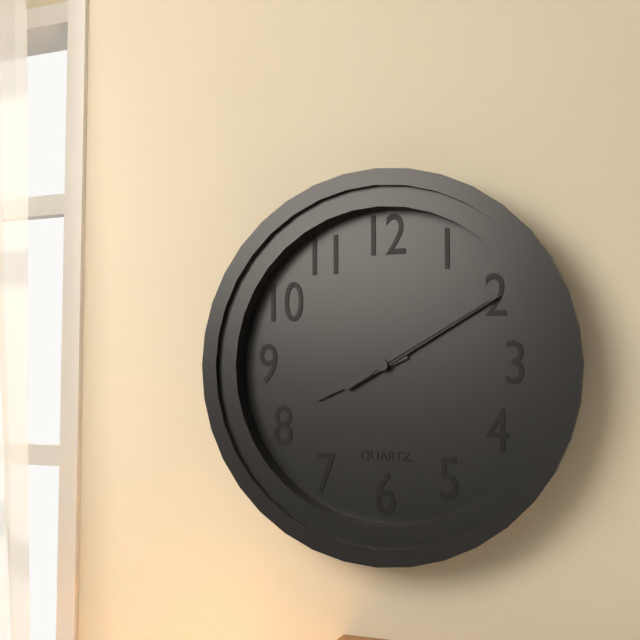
{"hour": 8, "minute": 10, "second": 10}
